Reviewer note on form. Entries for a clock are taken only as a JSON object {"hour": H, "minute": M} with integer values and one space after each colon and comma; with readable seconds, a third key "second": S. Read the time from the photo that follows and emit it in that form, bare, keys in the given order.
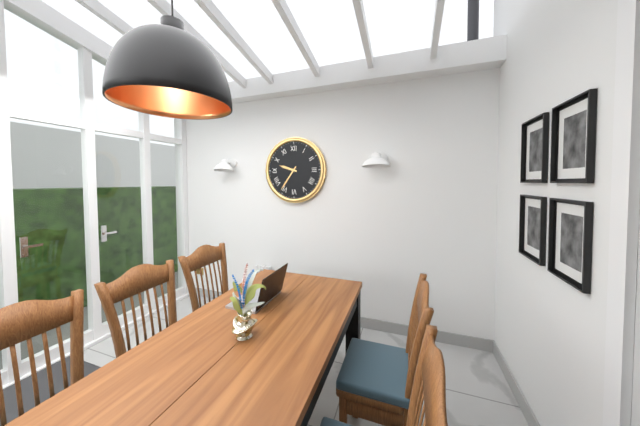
{"hour": 9, "minute": 36}
